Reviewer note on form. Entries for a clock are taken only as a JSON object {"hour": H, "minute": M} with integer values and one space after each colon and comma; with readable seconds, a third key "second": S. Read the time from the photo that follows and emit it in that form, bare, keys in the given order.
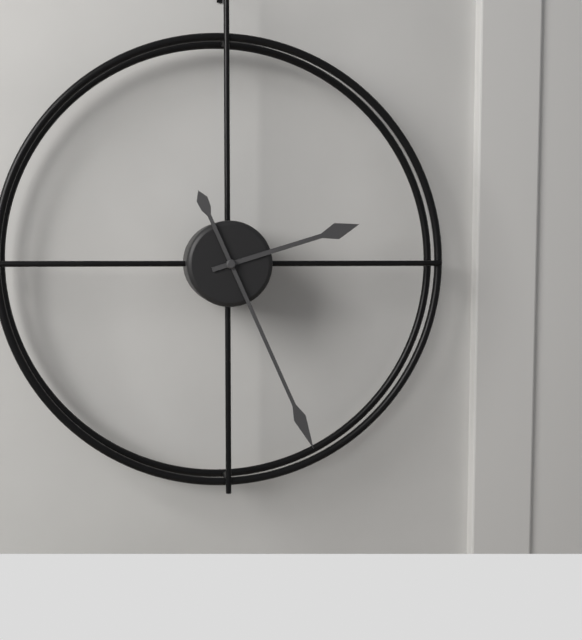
{"hour": 2, "minute": 26}
